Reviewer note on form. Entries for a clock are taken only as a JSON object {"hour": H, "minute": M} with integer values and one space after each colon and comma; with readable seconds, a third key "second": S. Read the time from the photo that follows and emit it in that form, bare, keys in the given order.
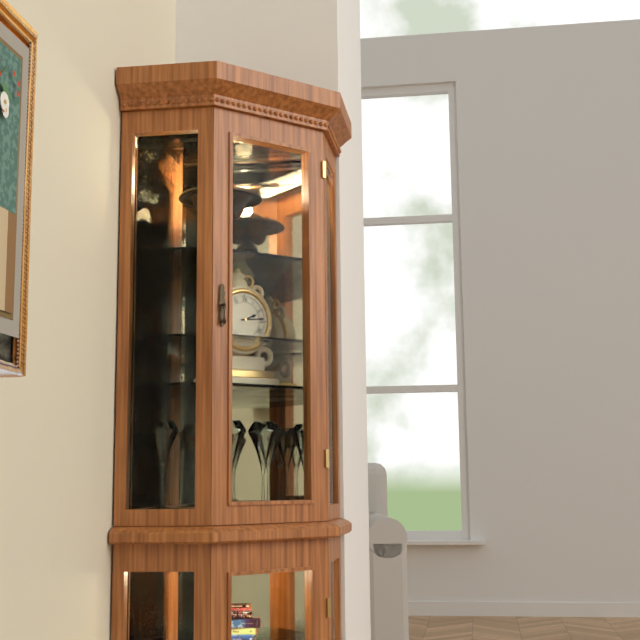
{"hour": 2, "minute": 14}
